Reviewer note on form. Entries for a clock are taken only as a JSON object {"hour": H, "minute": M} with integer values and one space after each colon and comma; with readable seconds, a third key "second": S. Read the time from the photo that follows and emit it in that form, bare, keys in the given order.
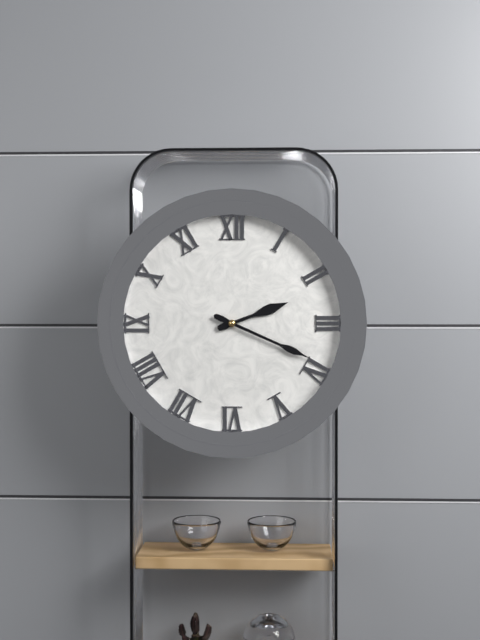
{"hour": 2, "minute": 19}
